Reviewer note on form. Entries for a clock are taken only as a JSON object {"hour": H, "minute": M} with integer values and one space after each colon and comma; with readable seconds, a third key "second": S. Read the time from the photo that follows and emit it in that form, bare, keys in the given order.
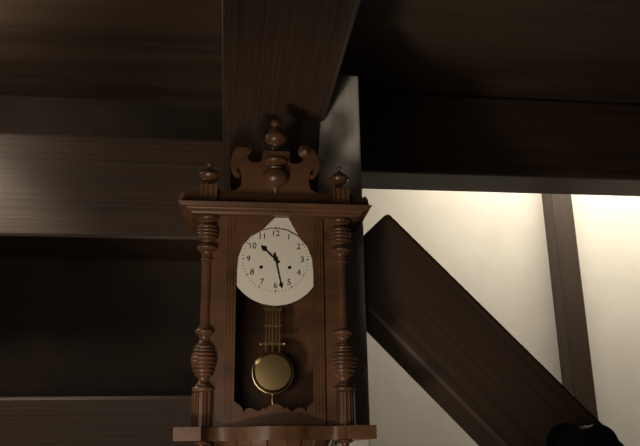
{"hour": 10, "minute": 28}
